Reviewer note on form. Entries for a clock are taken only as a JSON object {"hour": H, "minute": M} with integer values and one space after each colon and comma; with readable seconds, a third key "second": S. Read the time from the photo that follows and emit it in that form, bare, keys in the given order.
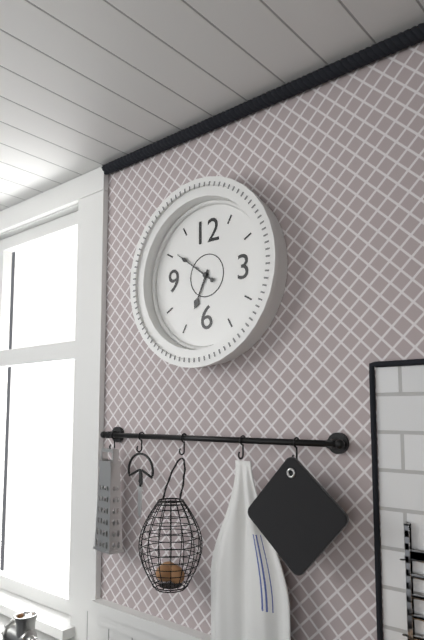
{"hour": 6, "minute": 51}
